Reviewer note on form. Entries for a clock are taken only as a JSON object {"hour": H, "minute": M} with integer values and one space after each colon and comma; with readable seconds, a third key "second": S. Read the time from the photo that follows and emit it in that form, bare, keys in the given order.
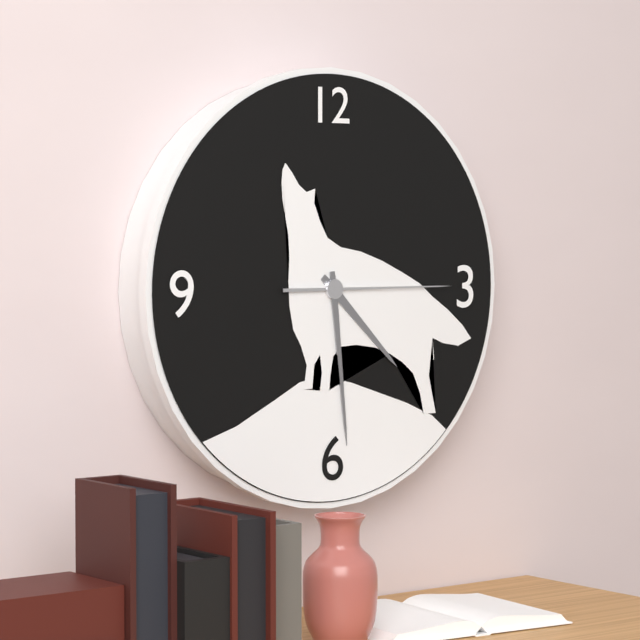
{"hour": 4, "minute": 29, "second": 15}
